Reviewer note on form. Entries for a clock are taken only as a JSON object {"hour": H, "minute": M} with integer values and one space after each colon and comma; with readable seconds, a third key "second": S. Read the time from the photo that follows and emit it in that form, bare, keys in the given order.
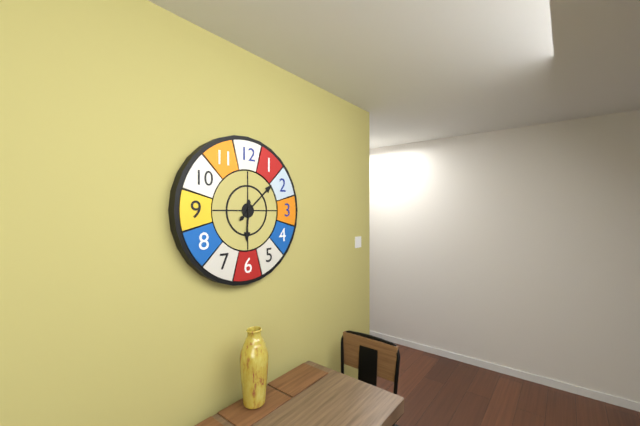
{"hour": 6, "minute": 8}
